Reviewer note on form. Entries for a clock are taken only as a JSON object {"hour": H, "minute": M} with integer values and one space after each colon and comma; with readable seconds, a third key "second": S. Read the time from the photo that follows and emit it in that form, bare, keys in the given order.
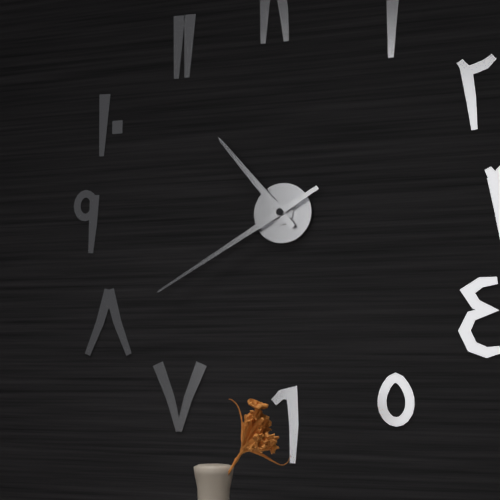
{"hour": 10, "minute": 40}
